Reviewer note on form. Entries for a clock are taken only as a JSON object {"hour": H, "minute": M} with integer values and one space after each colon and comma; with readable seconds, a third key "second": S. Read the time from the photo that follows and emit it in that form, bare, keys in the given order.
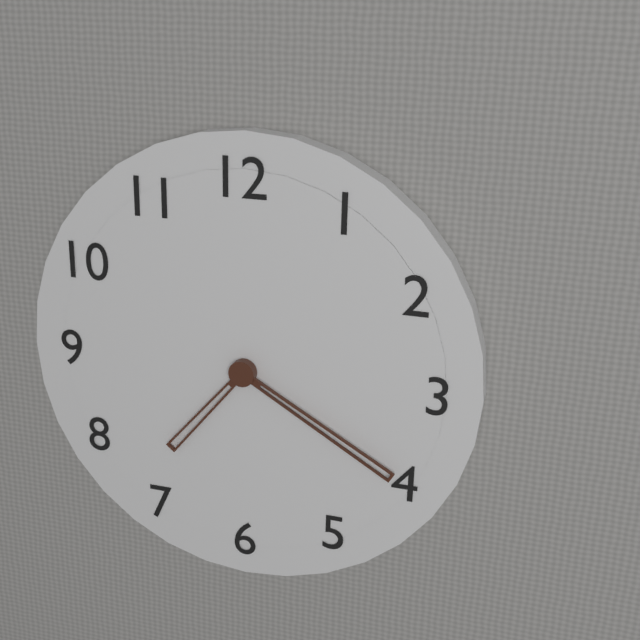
{"hour": 7, "minute": 20}
